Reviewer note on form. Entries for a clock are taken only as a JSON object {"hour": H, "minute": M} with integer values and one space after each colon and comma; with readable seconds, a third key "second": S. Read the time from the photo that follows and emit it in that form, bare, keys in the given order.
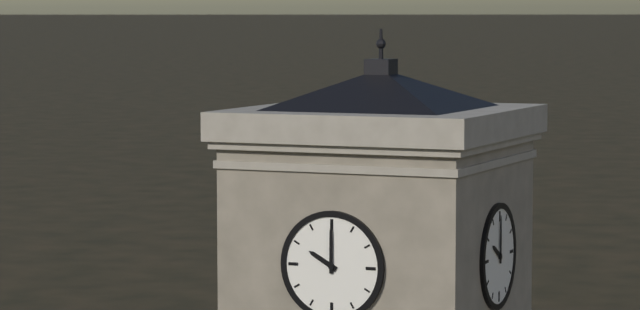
{"hour": 10, "minute": 0}
